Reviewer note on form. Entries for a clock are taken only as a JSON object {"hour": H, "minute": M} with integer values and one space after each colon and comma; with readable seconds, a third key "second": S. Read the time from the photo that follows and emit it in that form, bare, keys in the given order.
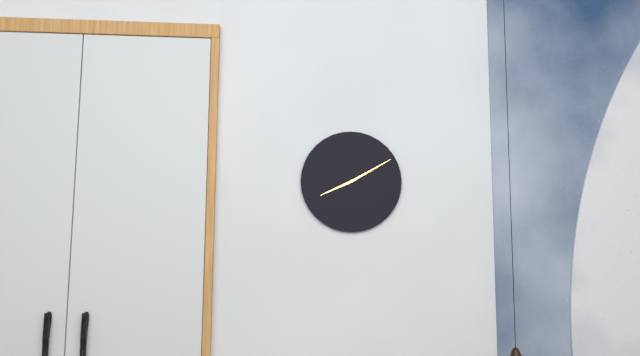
{"hour": 8, "minute": 10}
